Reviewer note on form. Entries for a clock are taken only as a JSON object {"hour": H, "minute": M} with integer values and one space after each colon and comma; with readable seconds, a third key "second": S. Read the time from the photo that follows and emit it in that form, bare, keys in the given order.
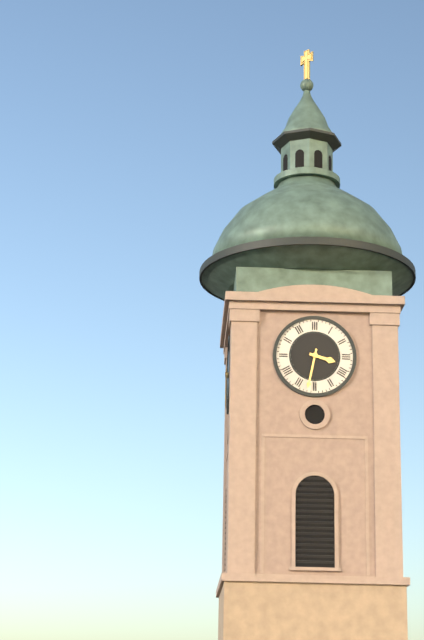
{"hour": 3, "minute": 32}
